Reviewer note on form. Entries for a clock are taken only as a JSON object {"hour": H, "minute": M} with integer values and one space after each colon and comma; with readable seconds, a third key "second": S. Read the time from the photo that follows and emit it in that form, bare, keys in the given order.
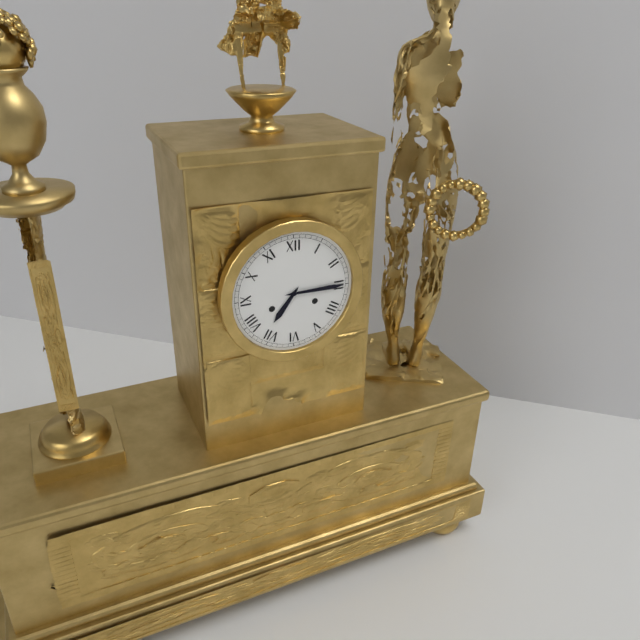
{"hour": 7, "minute": 15}
